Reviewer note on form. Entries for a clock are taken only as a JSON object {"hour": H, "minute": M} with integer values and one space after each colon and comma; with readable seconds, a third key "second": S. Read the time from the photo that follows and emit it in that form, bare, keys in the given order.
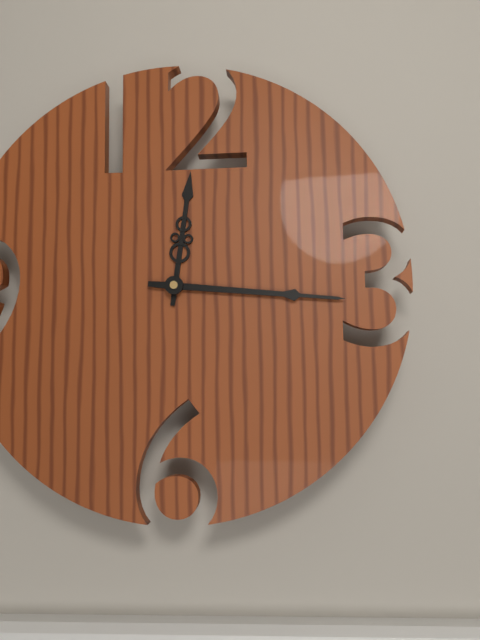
{"hour": 12, "minute": 16}
